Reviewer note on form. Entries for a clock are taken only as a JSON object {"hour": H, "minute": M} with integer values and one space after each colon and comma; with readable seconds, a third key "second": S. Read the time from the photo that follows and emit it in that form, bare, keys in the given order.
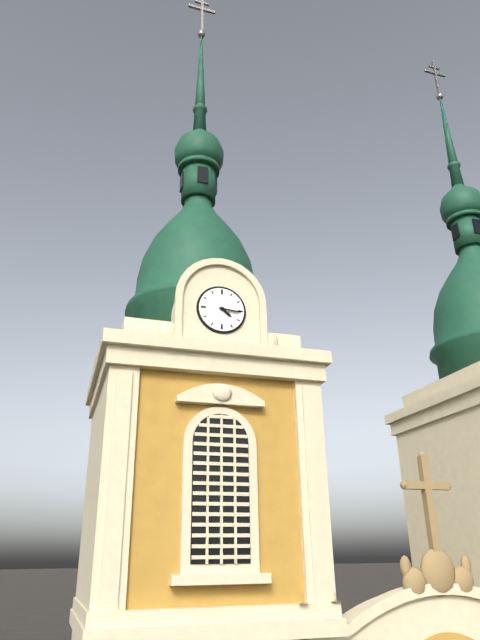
{"hour": 4, "minute": 16}
